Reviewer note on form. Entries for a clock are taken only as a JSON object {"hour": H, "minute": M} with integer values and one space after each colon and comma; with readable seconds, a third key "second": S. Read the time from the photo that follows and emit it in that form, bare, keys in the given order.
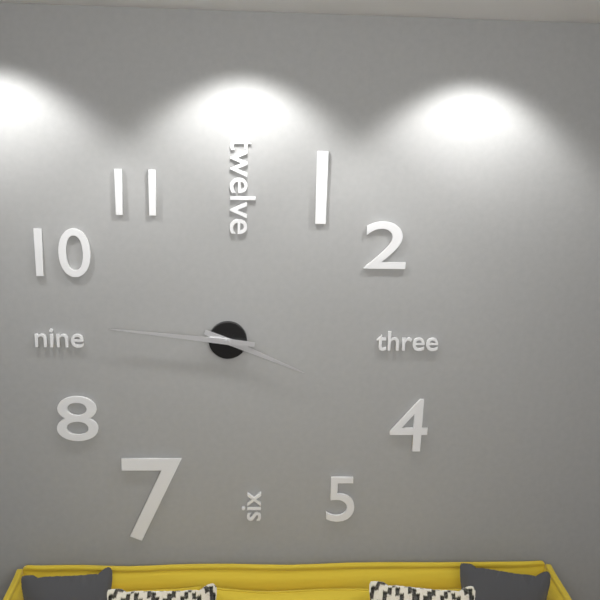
{"hour": 3, "minute": 46}
